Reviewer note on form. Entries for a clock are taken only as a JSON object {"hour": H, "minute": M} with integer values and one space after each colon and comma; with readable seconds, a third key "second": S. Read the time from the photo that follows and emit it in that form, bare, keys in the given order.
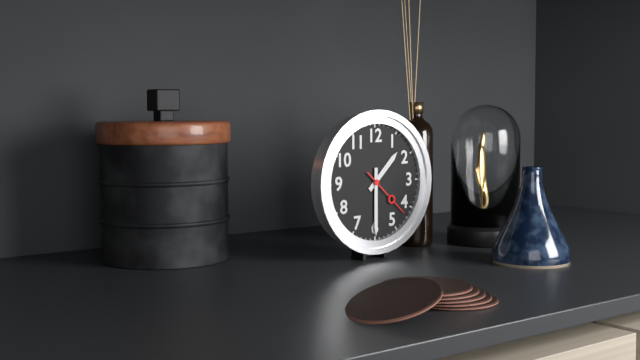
{"hour": 1, "minute": 30, "second": 22}
